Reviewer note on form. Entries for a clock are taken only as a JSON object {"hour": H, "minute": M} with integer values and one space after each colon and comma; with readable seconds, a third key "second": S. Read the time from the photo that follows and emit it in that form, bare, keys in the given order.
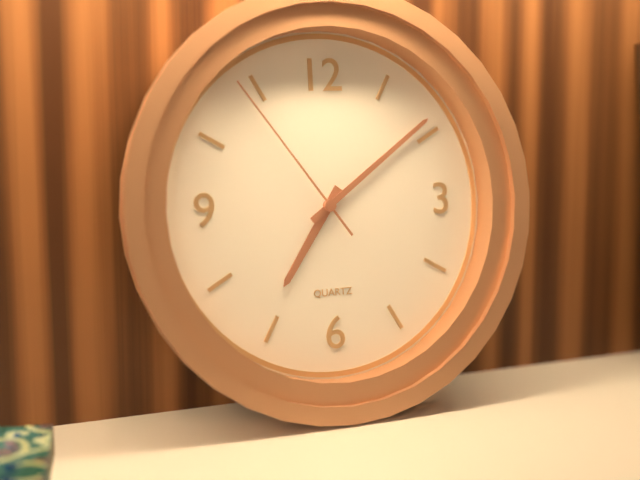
{"hour": 7, "minute": 9, "second": 54}
